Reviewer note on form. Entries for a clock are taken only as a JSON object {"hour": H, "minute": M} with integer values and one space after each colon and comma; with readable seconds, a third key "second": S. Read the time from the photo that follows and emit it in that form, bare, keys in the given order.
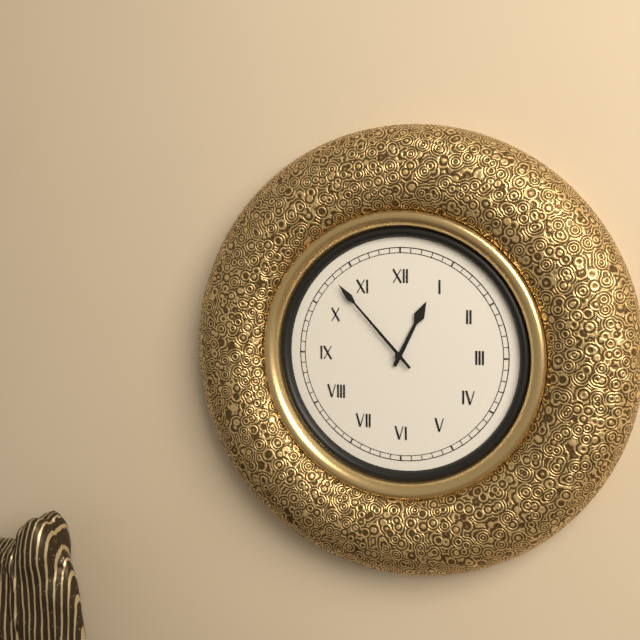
{"hour": 12, "minute": 53}
